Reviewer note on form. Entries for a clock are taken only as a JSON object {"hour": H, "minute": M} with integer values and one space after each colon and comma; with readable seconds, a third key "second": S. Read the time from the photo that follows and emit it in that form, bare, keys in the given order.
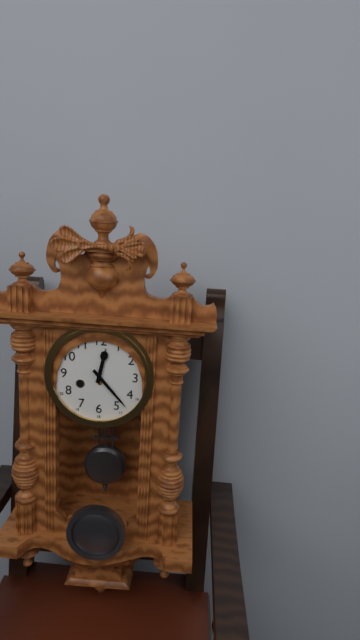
{"hour": 12, "minute": 23}
